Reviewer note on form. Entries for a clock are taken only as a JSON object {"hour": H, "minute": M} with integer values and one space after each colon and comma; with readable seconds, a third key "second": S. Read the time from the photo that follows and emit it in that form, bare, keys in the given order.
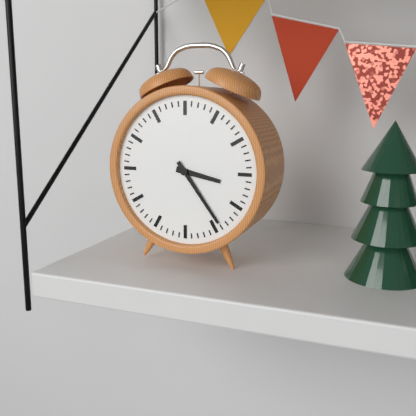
{"hour": 3, "minute": 24}
